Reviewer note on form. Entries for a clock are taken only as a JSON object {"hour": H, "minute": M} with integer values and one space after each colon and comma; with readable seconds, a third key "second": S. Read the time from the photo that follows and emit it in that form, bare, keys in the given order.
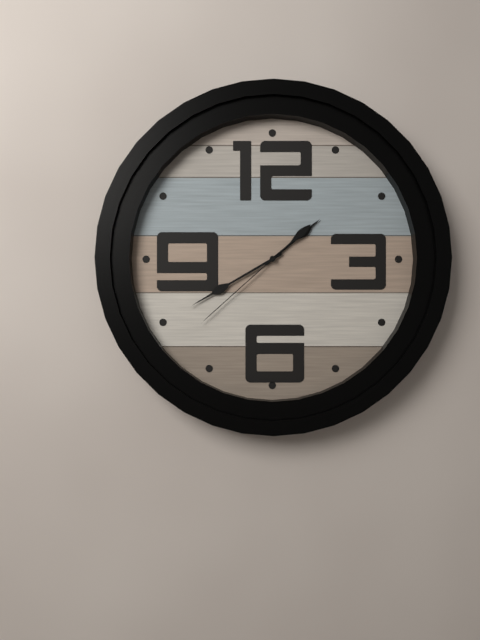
{"hour": 1, "minute": 40, "second": 38}
